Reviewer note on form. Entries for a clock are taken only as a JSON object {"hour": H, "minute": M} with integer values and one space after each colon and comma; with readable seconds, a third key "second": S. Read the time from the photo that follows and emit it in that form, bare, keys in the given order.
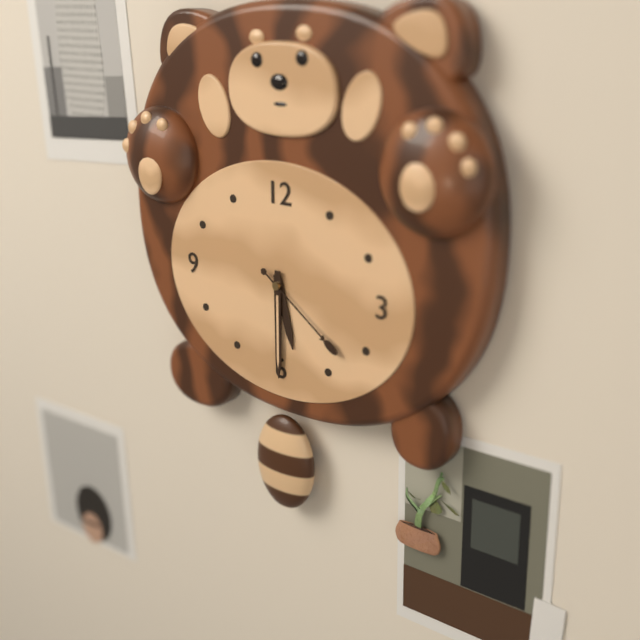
{"hour": 5, "minute": 30, "second": 21}
